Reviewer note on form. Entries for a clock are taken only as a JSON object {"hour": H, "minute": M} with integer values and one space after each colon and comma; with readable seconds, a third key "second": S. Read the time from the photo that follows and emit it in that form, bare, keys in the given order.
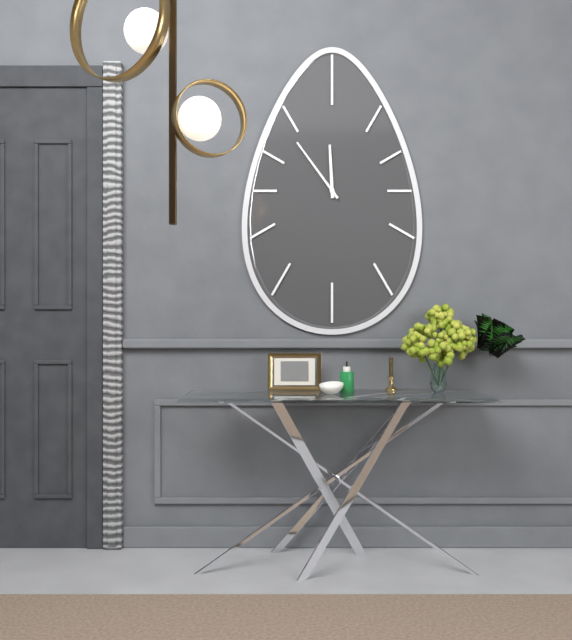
{"hour": 11, "minute": 54}
